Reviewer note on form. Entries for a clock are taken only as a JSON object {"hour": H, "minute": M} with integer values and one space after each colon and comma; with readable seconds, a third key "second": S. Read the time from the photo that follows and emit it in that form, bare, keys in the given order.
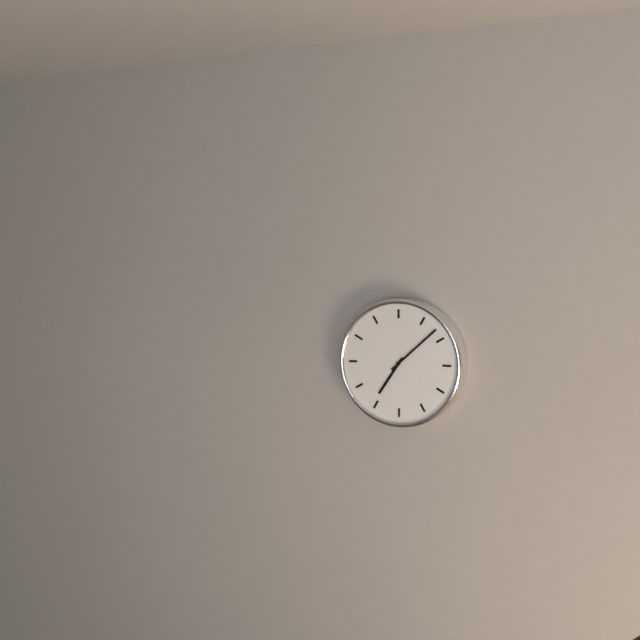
{"hour": 7, "minute": 8}
